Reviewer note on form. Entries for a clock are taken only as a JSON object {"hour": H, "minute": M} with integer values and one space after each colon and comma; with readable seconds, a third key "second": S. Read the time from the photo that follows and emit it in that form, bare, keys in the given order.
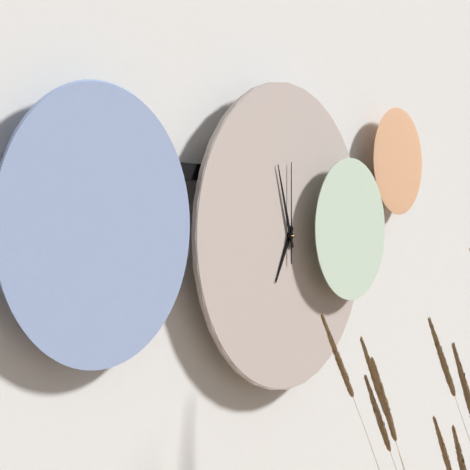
{"hour": 6, "minute": 57, "second": 0}
